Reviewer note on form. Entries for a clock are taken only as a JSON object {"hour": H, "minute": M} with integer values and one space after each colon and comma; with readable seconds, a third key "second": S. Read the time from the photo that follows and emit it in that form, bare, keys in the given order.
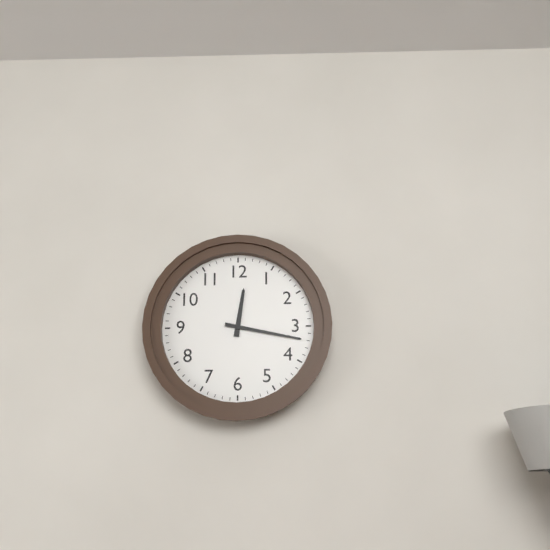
{"hour": 12, "minute": 17}
